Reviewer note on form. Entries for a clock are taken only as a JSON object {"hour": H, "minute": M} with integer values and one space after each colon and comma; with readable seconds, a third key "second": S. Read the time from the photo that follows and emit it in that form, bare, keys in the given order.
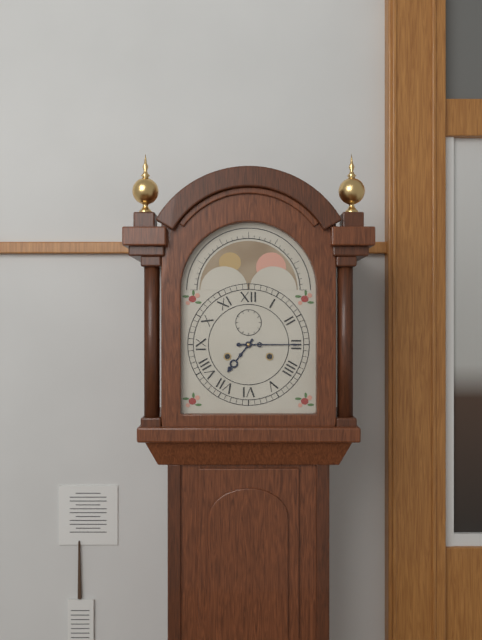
{"hour": 7, "minute": 15}
